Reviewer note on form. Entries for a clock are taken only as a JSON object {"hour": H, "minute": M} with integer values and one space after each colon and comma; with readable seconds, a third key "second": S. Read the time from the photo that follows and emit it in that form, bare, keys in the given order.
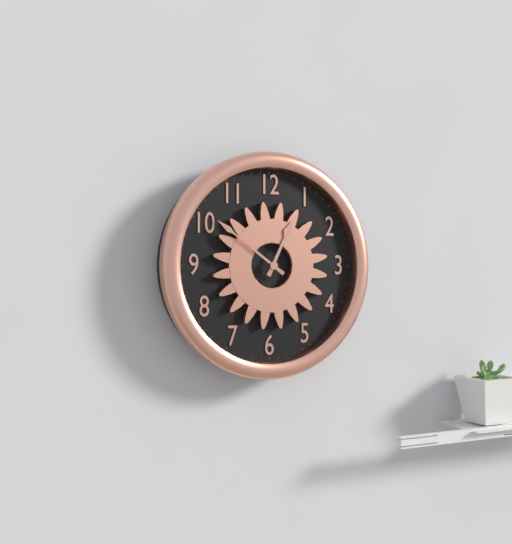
{"hour": 12, "minute": 51}
